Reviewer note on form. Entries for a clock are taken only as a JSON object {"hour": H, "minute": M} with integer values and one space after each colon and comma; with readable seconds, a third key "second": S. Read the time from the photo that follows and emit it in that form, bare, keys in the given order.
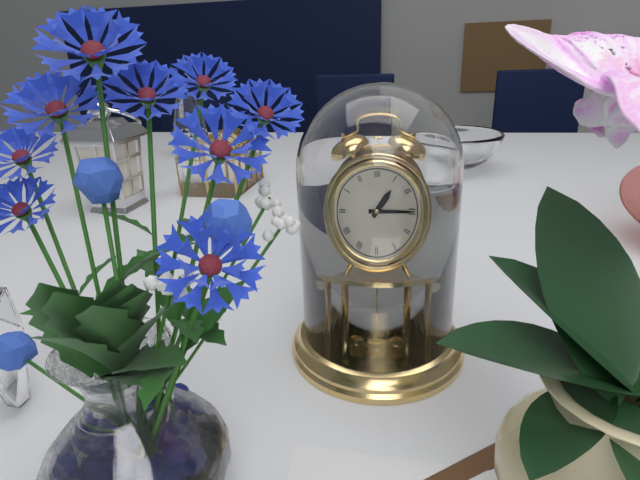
{"hour": 1, "minute": 15}
